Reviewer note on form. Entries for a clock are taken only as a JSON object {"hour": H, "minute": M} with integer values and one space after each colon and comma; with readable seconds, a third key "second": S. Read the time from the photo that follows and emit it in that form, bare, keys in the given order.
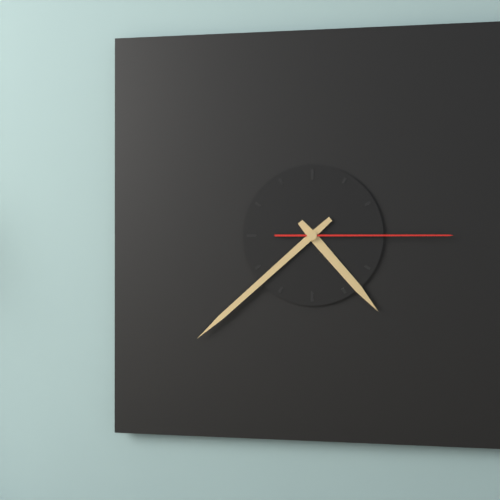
{"hour": 4, "minute": 38, "second": 15}
